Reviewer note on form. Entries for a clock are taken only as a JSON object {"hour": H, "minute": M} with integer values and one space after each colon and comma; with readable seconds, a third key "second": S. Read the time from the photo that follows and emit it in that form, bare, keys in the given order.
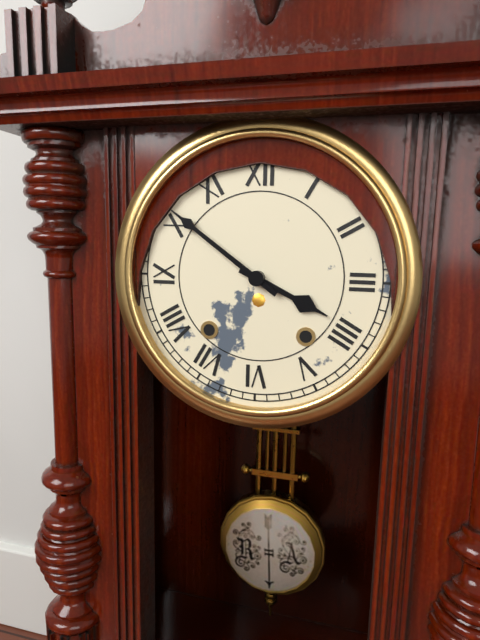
{"hour": 3, "minute": 51}
